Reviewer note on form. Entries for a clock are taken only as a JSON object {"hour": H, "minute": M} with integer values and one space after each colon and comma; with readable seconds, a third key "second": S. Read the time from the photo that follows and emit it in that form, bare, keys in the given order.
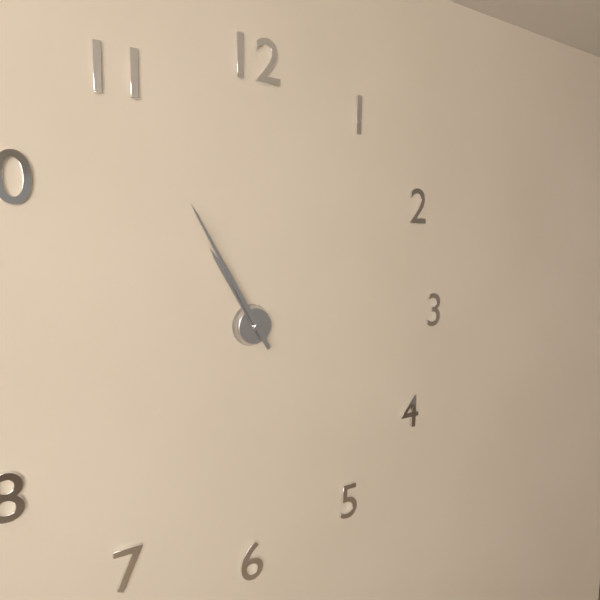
{"hour": 10, "minute": 55}
